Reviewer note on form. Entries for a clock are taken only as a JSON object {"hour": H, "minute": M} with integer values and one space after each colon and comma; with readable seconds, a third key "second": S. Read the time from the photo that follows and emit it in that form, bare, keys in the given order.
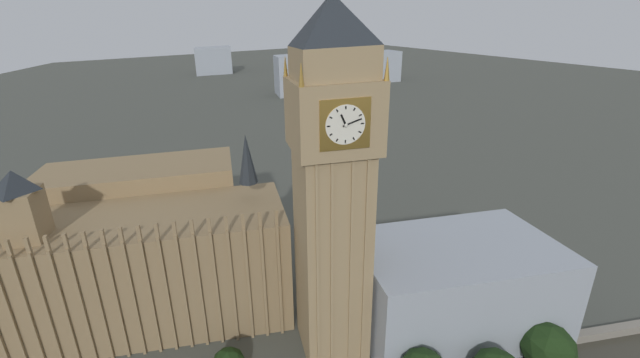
{"hour": 11, "minute": 12}
